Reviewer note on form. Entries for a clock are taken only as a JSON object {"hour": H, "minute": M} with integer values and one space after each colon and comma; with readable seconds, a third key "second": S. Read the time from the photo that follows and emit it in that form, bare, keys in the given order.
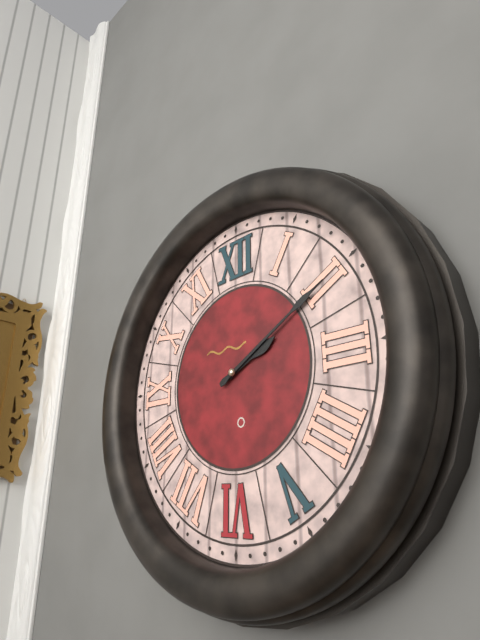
{"hour": 2, "minute": 10}
